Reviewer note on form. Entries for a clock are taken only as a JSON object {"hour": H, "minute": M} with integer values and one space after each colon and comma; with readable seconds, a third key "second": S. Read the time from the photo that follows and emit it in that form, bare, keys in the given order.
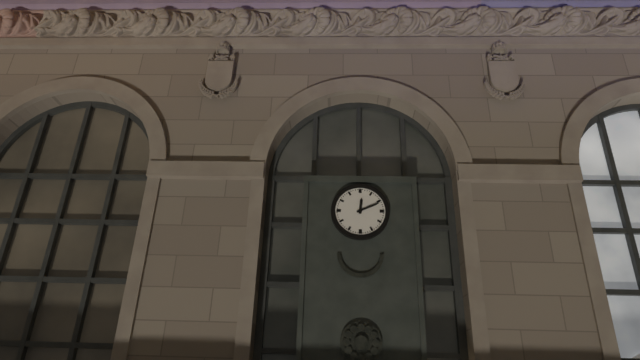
{"hour": 12, "minute": 11}
